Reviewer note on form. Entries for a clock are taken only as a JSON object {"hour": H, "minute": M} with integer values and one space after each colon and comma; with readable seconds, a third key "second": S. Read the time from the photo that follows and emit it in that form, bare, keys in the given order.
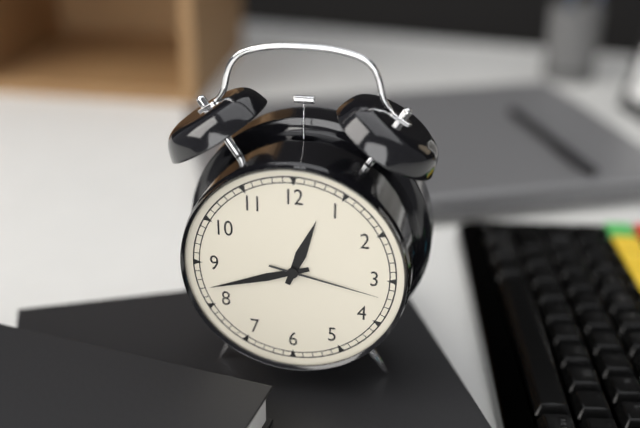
{"hour": 12, "minute": 42, "second": 17}
